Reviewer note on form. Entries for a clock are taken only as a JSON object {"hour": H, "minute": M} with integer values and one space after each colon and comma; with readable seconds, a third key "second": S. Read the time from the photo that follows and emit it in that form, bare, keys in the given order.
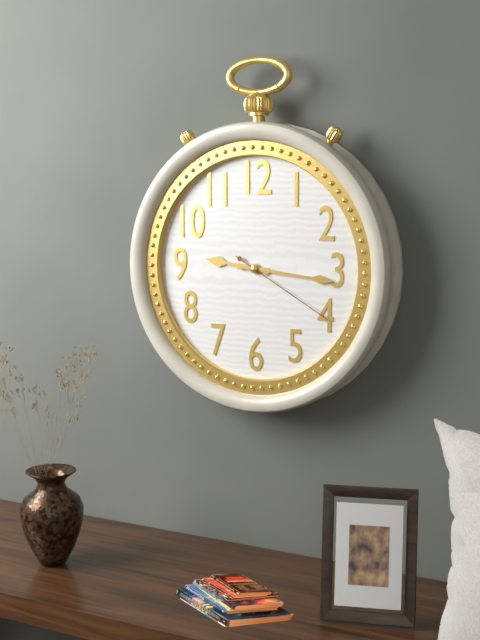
{"hour": 9, "minute": 16, "second": 20}
